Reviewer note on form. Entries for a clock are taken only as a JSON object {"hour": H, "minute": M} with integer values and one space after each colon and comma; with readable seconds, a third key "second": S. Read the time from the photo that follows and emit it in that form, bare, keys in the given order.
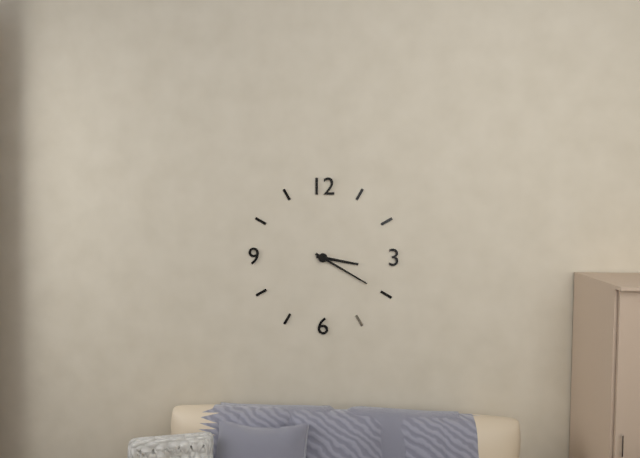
{"hour": 3, "minute": 20}
